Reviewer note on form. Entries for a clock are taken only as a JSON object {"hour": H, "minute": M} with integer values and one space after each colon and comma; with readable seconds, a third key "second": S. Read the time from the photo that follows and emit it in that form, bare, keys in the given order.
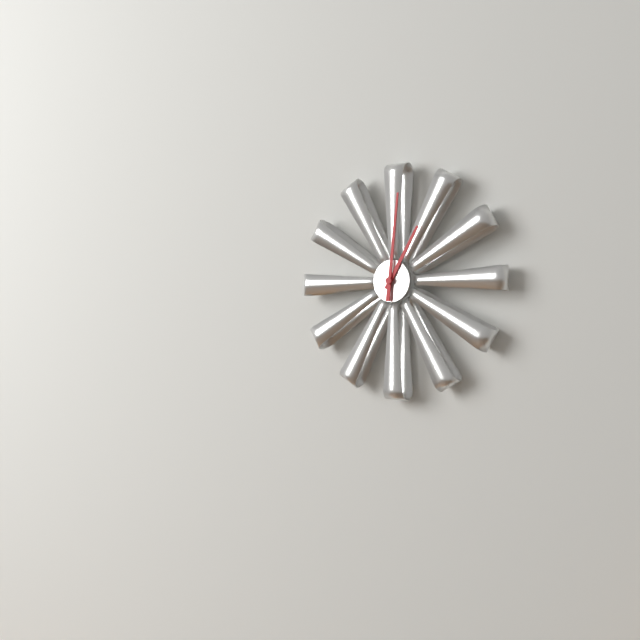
{"hour": 1, "minute": 1}
